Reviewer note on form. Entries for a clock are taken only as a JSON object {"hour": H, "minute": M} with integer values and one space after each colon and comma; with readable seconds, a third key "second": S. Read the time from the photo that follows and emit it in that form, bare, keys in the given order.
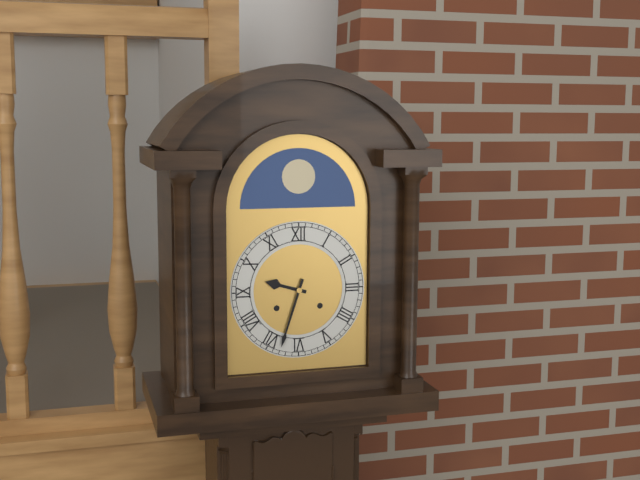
{"hour": 9, "minute": 33}
